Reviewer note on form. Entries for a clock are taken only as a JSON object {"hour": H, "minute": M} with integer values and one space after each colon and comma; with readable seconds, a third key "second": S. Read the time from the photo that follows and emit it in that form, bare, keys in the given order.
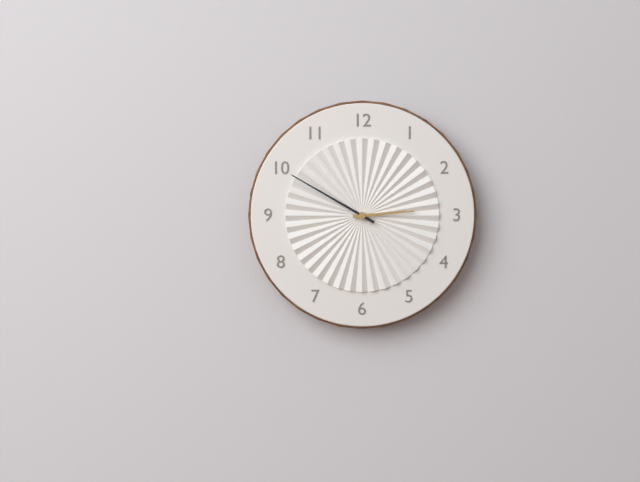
{"hour": 2, "minute": 50}
